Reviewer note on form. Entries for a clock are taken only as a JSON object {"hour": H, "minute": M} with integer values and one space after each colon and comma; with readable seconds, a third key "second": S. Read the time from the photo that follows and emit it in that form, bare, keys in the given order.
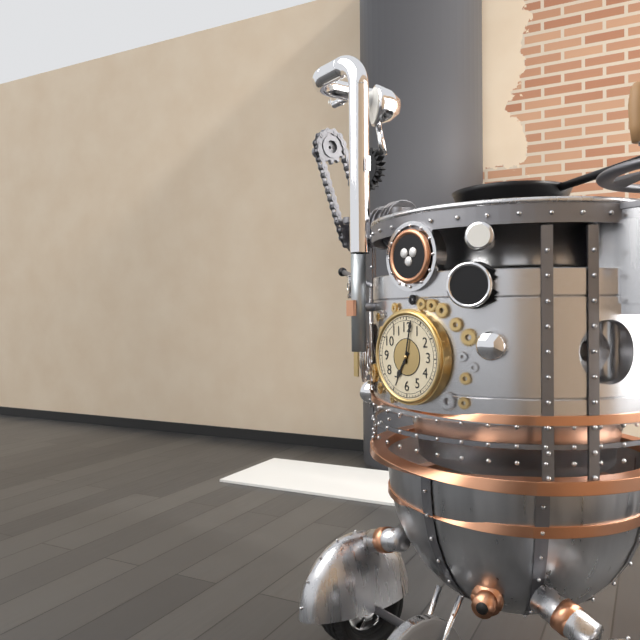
{"hour": 7, "minute": 2}
